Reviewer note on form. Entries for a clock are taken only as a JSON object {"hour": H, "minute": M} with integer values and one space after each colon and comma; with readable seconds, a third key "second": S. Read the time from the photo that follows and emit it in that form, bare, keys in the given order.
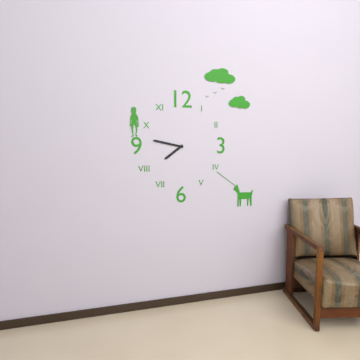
{"hour": 7, "minute": 47}
